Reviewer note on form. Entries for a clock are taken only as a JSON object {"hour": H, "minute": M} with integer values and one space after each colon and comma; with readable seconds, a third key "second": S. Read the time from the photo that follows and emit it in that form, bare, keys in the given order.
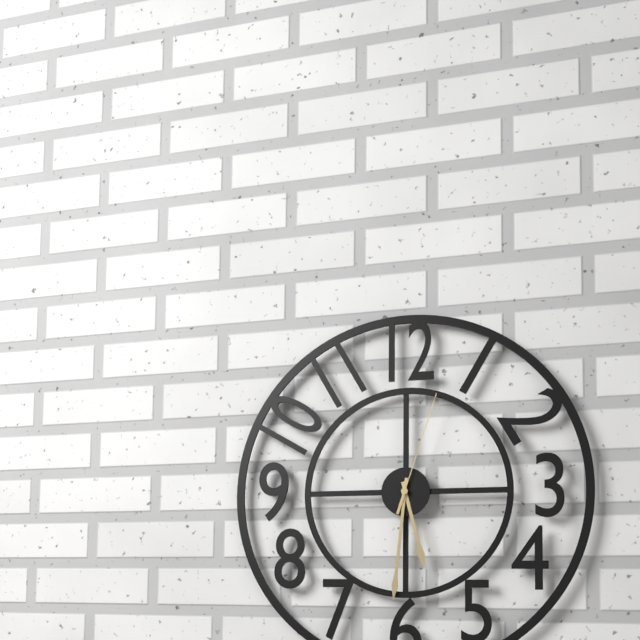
{"hour": 5, "minute": 31, "second": 3}
